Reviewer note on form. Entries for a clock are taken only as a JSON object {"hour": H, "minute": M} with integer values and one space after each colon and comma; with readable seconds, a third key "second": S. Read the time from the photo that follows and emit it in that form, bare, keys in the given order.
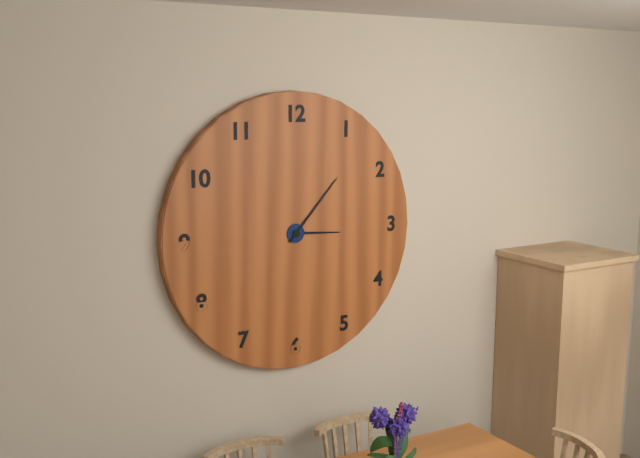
{"hour": 3, "minute": 7}
